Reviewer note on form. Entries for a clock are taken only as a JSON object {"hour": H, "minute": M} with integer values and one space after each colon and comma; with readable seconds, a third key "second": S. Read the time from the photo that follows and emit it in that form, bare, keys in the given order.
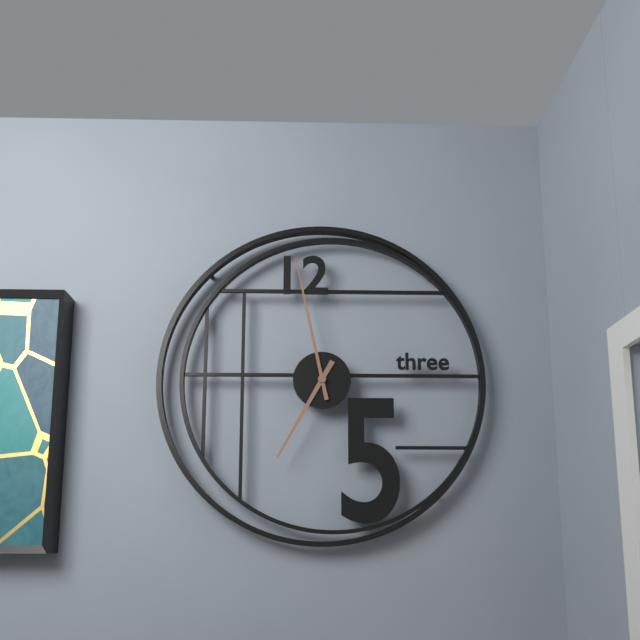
{"hour": 6, "minute": 58}
